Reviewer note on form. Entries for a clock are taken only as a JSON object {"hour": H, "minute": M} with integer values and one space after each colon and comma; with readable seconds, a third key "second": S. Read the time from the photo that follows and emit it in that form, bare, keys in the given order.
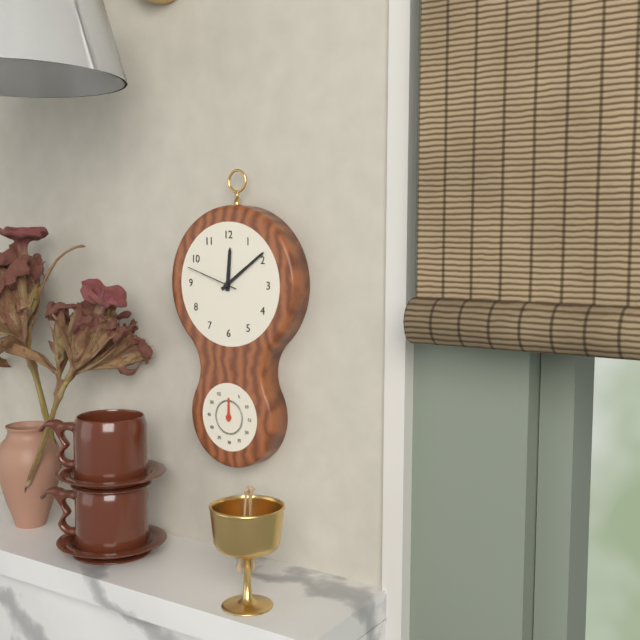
{"hour": 12, "minute": 9, "second": 48}
